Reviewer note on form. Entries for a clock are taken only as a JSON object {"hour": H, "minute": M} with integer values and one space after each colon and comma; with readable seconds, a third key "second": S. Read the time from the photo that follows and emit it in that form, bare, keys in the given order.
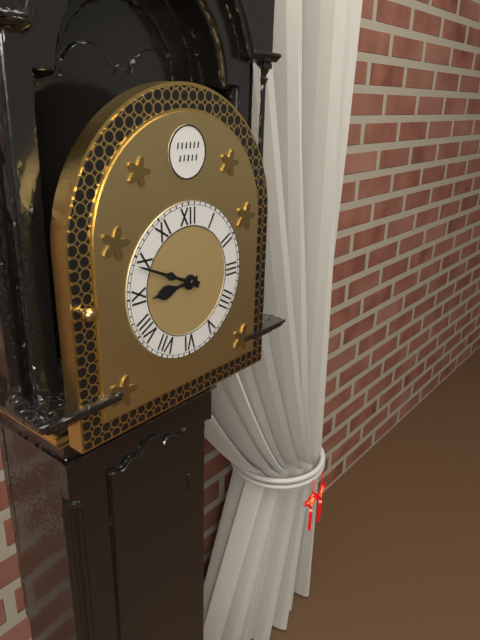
{"hour": 8, "minute": 49}
